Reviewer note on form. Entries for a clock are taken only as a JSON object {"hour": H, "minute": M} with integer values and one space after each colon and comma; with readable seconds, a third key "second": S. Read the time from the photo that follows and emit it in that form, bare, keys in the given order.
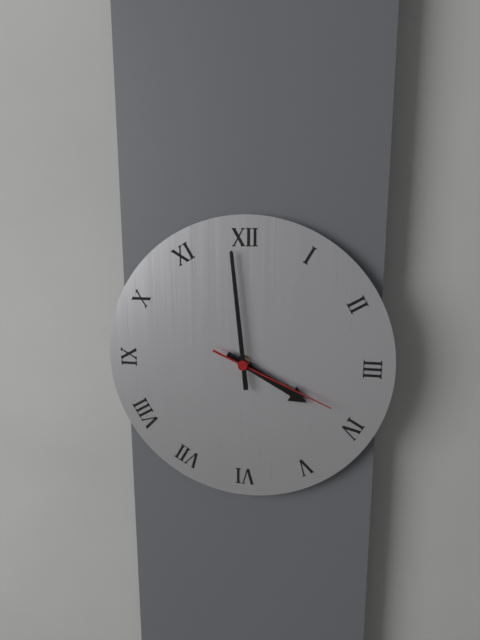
{"hour": 3, "minute": 59, "second": 19}
